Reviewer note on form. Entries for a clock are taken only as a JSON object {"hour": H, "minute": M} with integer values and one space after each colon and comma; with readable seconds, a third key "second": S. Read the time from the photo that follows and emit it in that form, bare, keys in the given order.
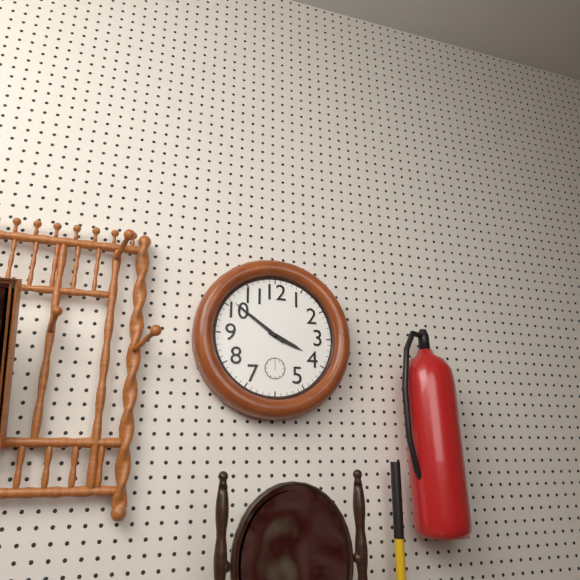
{"hour": 3, "minute": 51}
